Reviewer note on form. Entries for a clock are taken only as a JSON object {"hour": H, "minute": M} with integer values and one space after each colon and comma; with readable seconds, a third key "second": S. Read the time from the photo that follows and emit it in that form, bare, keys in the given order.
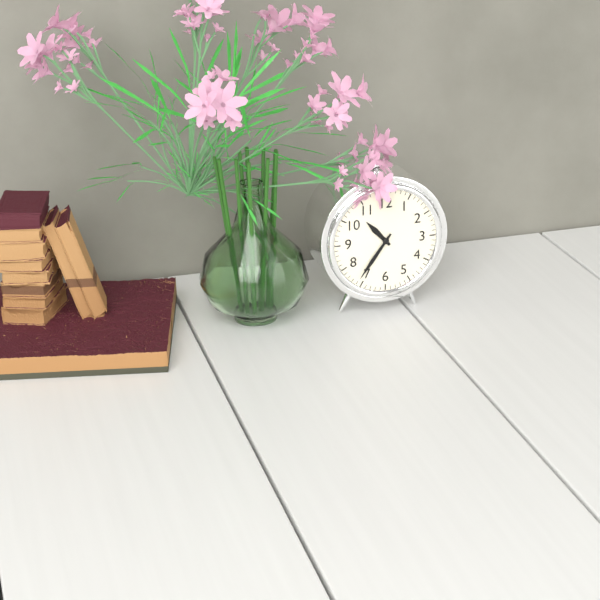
{"hour": 10, "minute": 36}
